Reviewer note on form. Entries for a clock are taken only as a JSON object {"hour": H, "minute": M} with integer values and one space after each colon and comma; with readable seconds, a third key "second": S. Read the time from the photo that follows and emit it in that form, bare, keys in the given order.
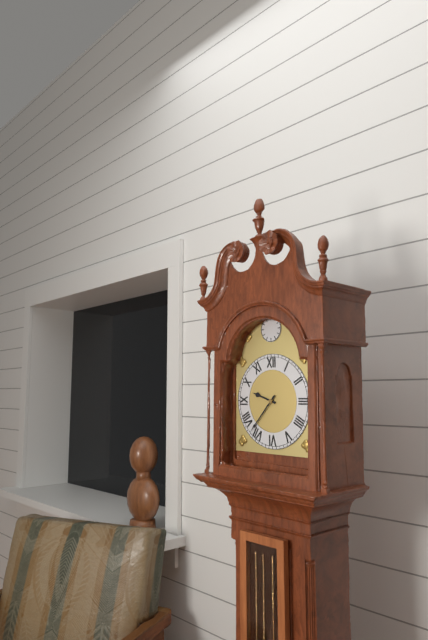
{"hour": 9, "minute": 37}
